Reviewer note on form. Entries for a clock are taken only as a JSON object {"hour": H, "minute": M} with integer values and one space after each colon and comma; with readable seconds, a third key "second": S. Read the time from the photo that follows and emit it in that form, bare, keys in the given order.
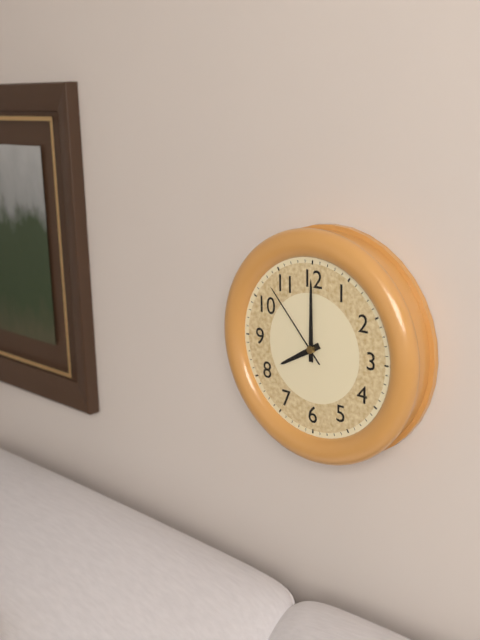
{"hour": 8, "minute": 0, "second": 53}
